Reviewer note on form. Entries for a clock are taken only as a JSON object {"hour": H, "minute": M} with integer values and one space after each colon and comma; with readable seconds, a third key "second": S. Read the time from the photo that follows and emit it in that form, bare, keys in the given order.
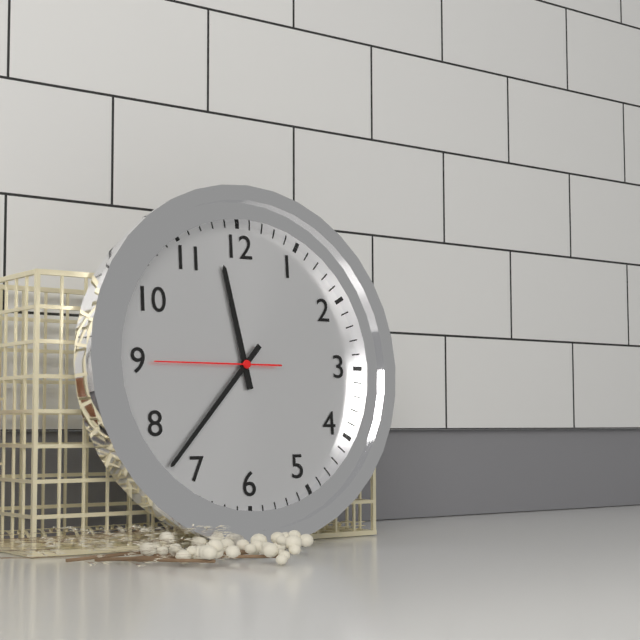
{"hour": 11, "minute": 37, "second": 45}
